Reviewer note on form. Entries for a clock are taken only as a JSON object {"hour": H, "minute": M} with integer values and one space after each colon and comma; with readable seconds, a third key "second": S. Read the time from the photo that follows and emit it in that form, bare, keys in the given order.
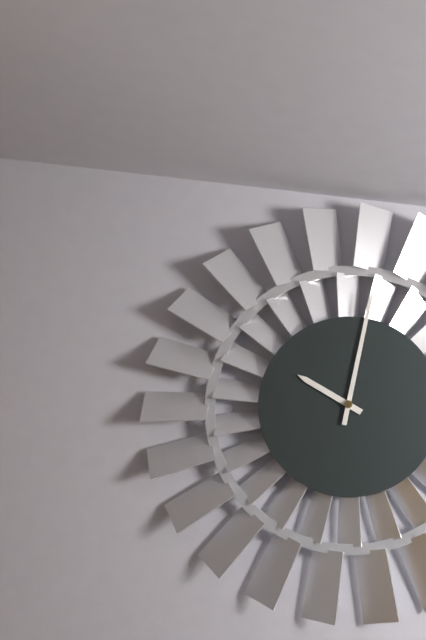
{"hour": 10, "minute": 2}
